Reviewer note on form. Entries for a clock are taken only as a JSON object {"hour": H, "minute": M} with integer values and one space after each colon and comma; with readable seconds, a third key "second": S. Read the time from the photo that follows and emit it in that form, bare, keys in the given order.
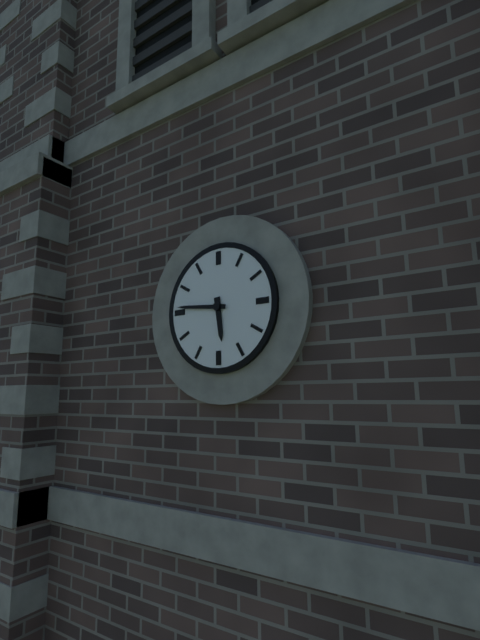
{"hour": 5, "minute": 46}
